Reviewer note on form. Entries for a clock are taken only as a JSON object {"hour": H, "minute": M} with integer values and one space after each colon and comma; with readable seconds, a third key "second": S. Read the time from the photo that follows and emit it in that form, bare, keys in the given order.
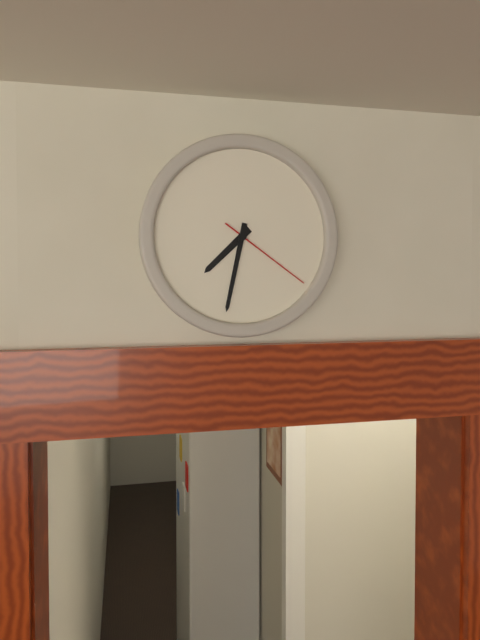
{"hour": 7, "minute": 32, "second": 21}
